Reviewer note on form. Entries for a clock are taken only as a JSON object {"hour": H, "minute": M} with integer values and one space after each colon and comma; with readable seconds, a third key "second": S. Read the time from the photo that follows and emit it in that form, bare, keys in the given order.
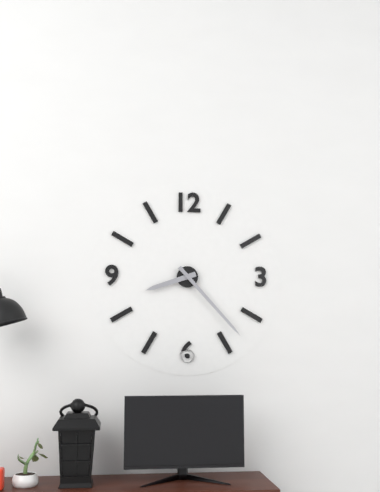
{"hour": 8, "minute": 23}
